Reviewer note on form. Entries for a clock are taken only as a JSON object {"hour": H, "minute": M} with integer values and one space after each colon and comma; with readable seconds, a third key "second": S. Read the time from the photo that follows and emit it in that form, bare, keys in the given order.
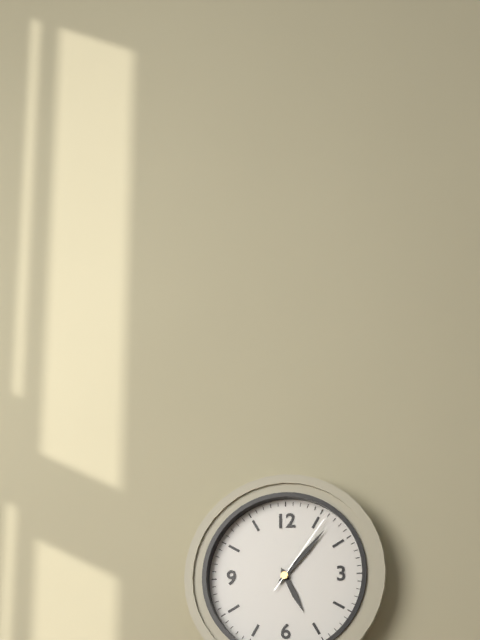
{"hour": 5, "minute": 7, "second": 6}
